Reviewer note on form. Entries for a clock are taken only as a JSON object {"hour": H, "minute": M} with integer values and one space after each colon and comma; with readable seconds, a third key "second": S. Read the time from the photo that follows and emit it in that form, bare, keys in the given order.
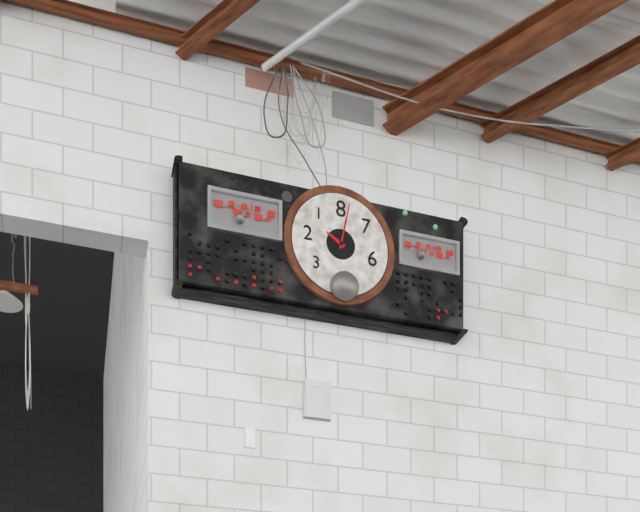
{"hour": 10, "minute": 2}
